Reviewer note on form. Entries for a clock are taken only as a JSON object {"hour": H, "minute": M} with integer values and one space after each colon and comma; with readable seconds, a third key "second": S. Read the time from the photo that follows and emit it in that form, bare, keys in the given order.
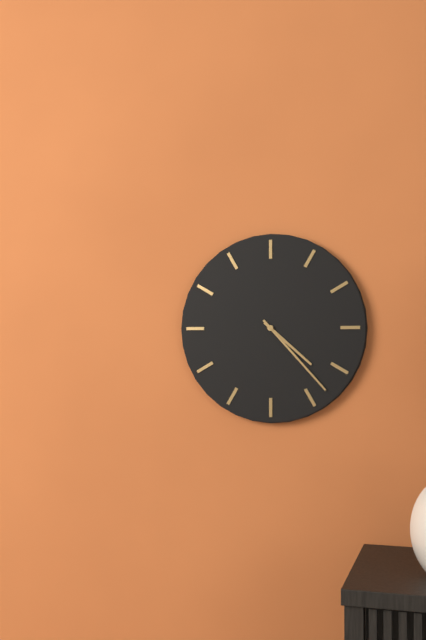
{"hour": 4, "minute": 23}
